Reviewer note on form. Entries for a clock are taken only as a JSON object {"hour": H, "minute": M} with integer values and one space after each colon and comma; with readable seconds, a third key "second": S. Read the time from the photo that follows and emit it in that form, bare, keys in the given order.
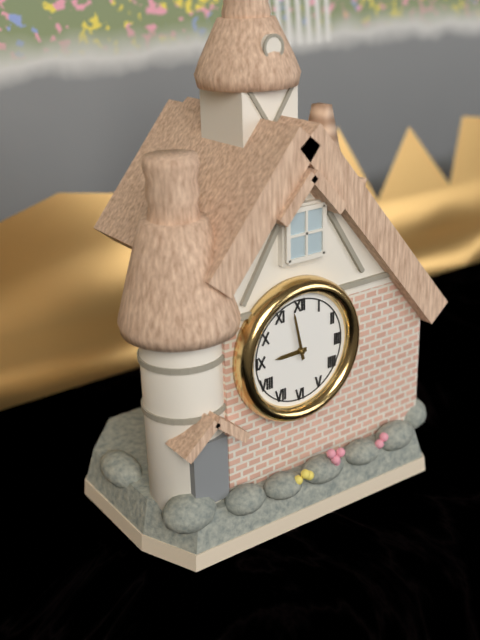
{"hour": 8, "minute": 58}
